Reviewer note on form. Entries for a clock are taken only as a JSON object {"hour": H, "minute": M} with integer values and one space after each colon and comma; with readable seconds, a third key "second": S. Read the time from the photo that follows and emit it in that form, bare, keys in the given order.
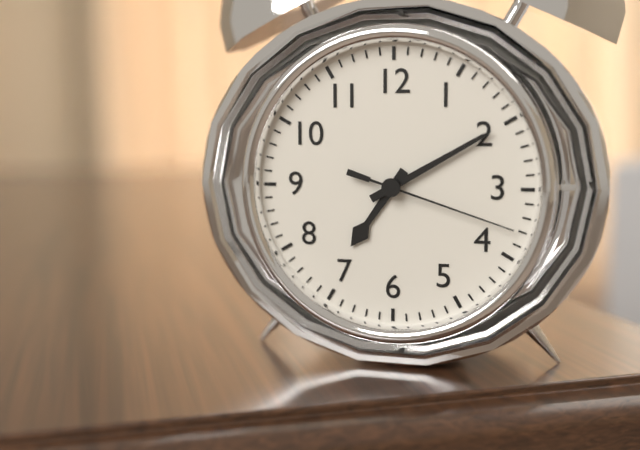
{"hour": 7, "minute": 10, "second": 18}
